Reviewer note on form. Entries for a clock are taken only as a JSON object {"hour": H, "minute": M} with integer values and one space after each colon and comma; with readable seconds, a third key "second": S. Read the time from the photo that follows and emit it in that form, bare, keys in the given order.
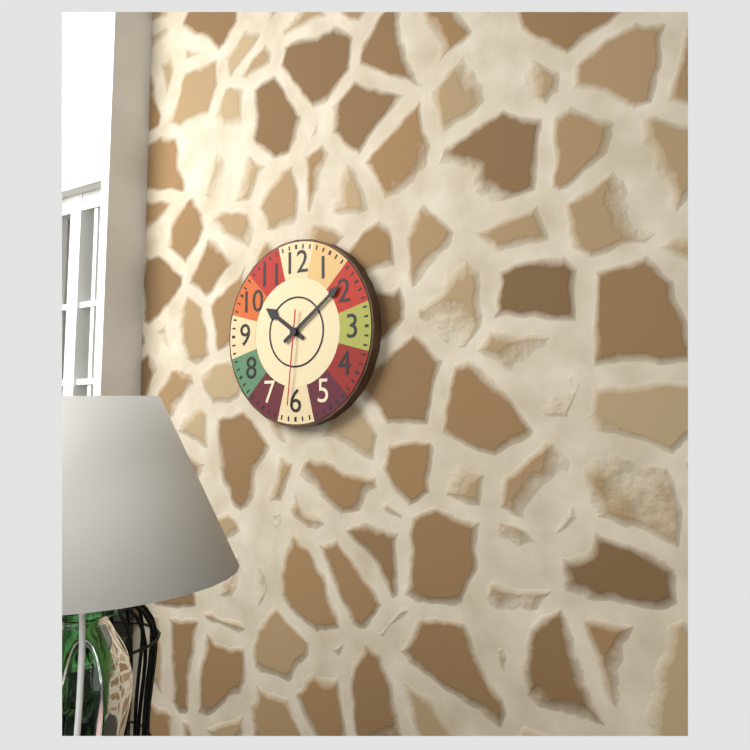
{"hour": 10, "minute": 9, "second": 31}
